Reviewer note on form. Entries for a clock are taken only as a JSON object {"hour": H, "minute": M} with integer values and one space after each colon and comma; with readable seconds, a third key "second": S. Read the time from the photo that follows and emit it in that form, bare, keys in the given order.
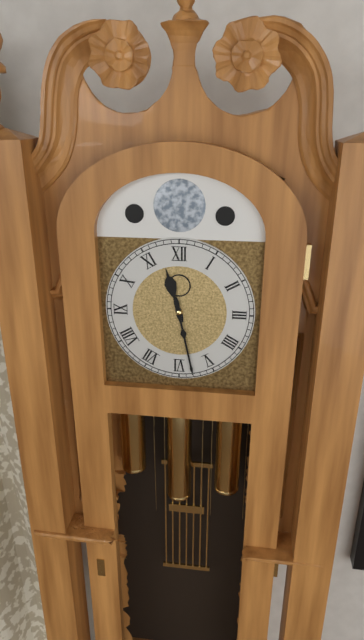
{"hour": 11, "minute": 28}
